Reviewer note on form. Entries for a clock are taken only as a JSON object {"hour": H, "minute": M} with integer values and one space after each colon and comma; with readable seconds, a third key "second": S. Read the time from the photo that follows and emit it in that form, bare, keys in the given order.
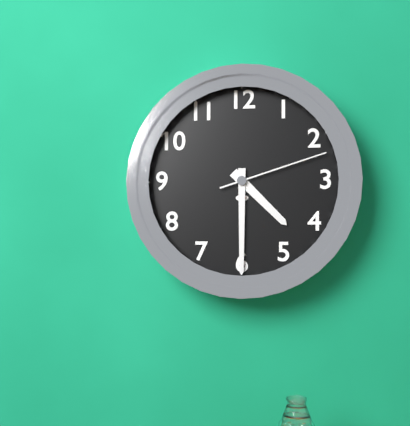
{"hour": 4, "minute": 30, "second": 12}
